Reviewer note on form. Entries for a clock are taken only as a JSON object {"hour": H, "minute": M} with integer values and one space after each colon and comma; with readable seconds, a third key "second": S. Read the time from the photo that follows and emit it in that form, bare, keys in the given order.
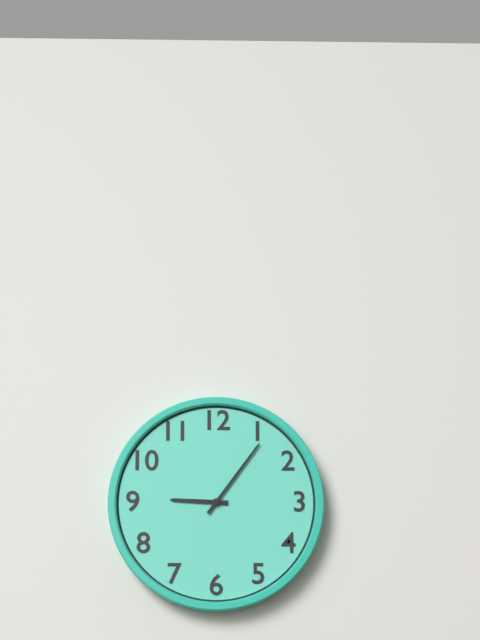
{"hour": 9, "minute": 6}
